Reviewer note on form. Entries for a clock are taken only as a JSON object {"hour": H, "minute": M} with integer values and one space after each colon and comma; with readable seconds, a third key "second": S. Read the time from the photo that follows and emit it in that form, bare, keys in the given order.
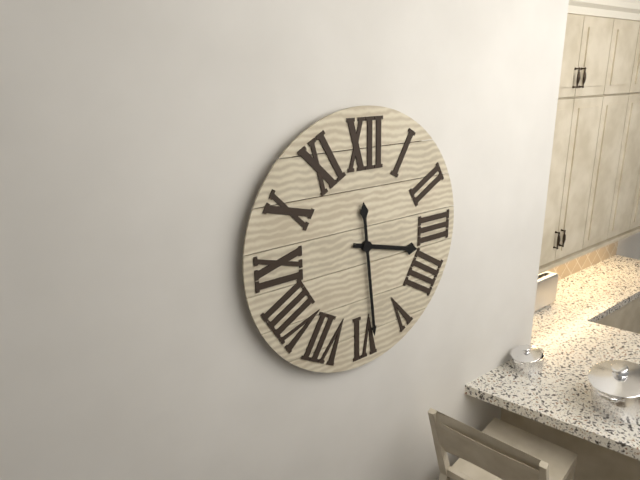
{"hour": 3, "minute": 29}
